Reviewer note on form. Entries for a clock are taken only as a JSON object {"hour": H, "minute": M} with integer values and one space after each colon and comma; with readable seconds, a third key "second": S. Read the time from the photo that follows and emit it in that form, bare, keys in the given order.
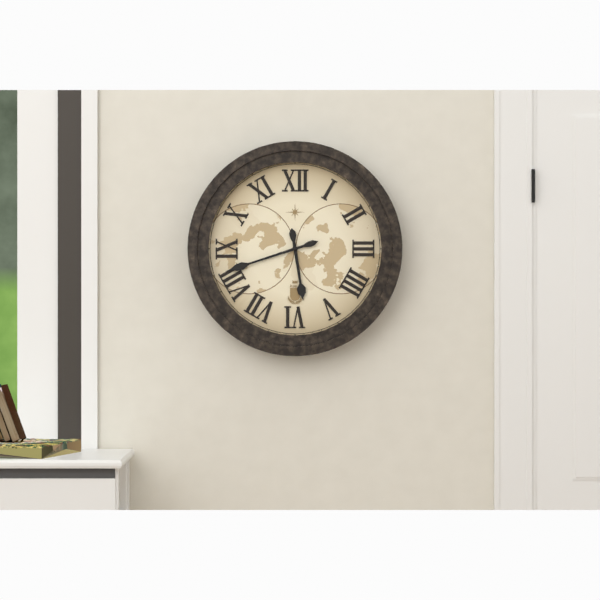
{"hour": 5, "minute": 42}
